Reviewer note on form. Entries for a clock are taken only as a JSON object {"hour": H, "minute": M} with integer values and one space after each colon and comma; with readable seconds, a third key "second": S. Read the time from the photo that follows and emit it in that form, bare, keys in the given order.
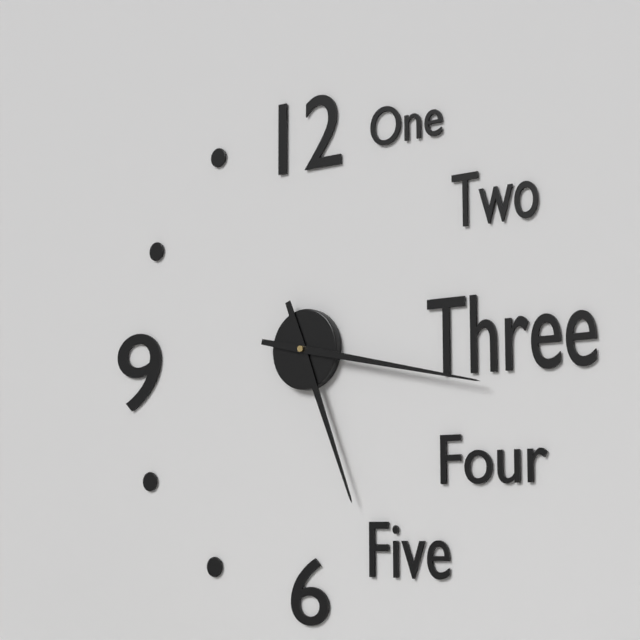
{"hour": 5, "minute": 17}
